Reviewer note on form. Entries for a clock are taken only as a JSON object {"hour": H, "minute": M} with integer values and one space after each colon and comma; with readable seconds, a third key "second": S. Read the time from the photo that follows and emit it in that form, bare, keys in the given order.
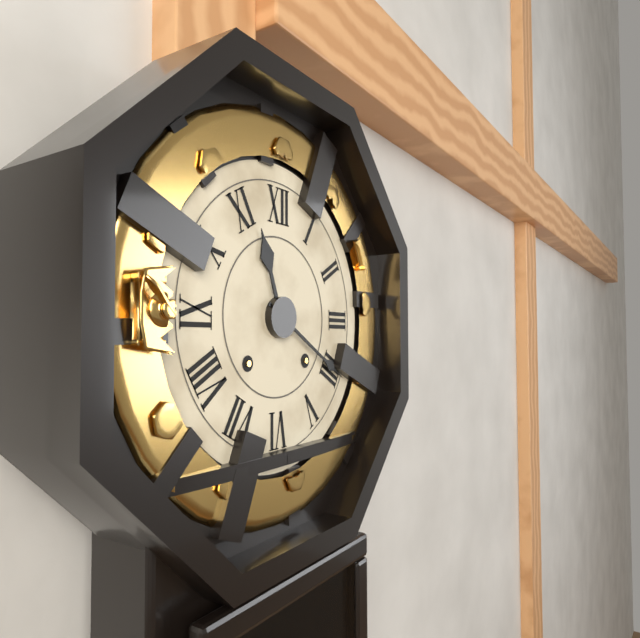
{"hour": 11, "minute": 20}
